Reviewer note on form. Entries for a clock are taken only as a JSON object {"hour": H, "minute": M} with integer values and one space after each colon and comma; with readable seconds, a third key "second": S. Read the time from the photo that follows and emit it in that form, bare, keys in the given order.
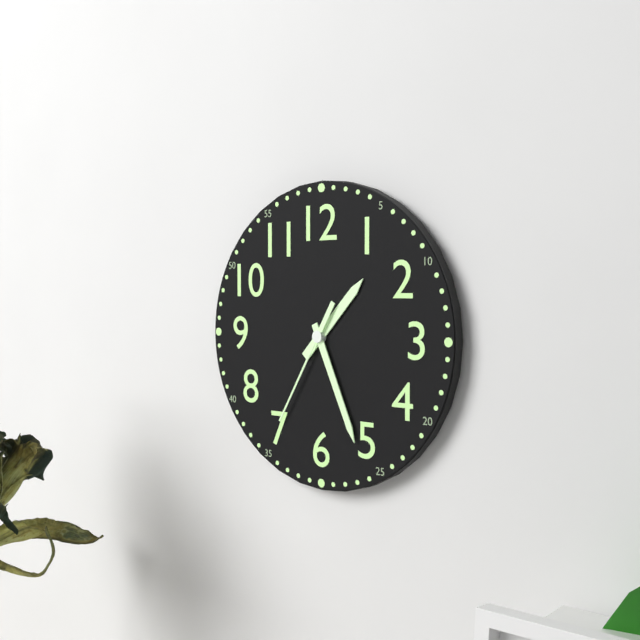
{"hour": 1, "minute": 26, "second": 35}
